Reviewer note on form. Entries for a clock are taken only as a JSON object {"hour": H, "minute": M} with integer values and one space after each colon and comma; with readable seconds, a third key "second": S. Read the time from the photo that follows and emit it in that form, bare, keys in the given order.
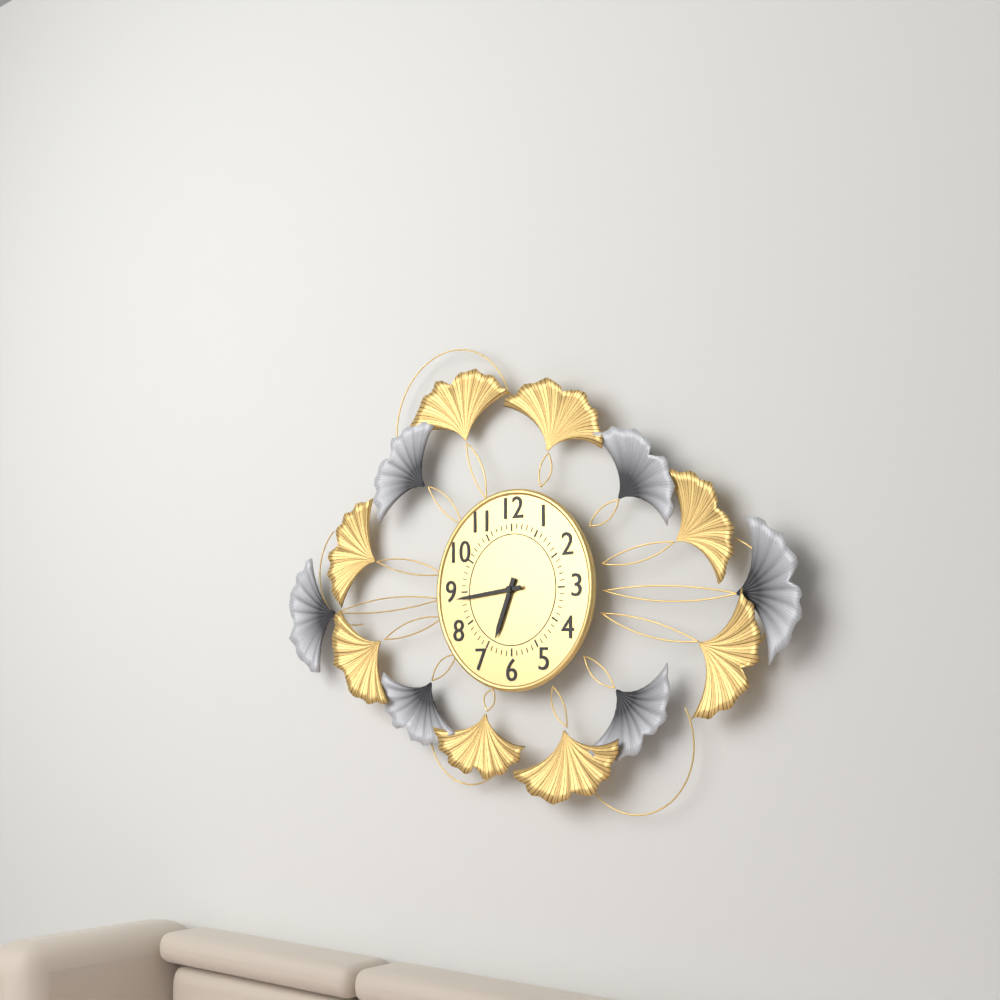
{"hour": 6, "minute": 44}
